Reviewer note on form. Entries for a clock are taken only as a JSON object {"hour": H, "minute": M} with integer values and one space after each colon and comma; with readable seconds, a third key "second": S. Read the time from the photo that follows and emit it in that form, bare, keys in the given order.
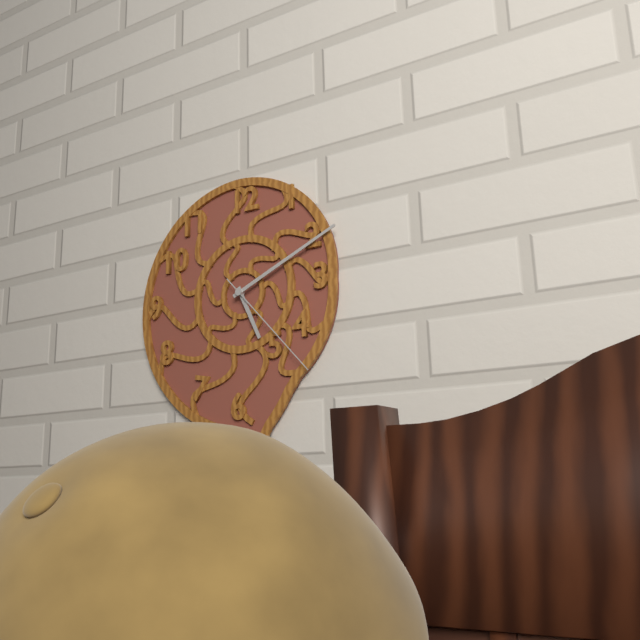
{"hour": 5, "minute": 11, "second": 23}
